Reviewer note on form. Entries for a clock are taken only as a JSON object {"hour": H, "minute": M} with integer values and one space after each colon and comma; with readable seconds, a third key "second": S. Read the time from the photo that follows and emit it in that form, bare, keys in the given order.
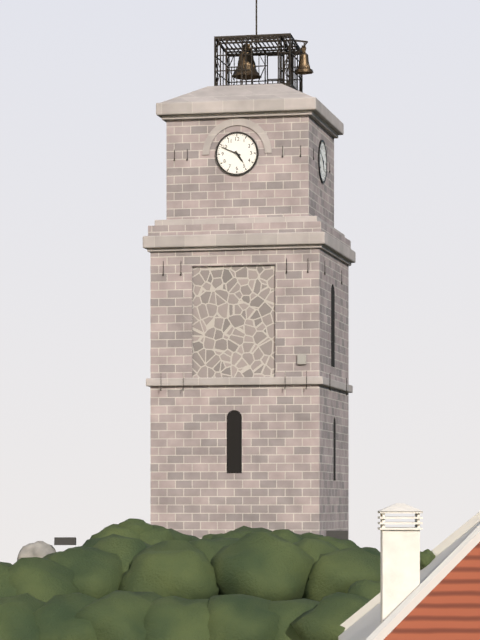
{"hour": 4, "minute": 49}
